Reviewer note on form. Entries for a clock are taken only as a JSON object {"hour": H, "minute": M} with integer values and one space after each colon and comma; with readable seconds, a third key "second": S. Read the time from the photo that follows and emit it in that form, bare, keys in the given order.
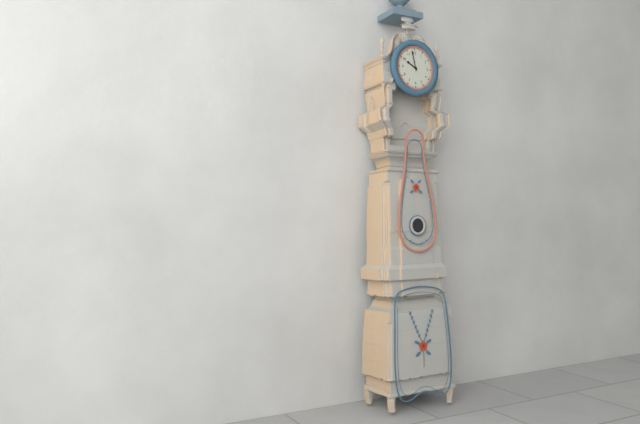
{"hour": 9, "minute": 58}
